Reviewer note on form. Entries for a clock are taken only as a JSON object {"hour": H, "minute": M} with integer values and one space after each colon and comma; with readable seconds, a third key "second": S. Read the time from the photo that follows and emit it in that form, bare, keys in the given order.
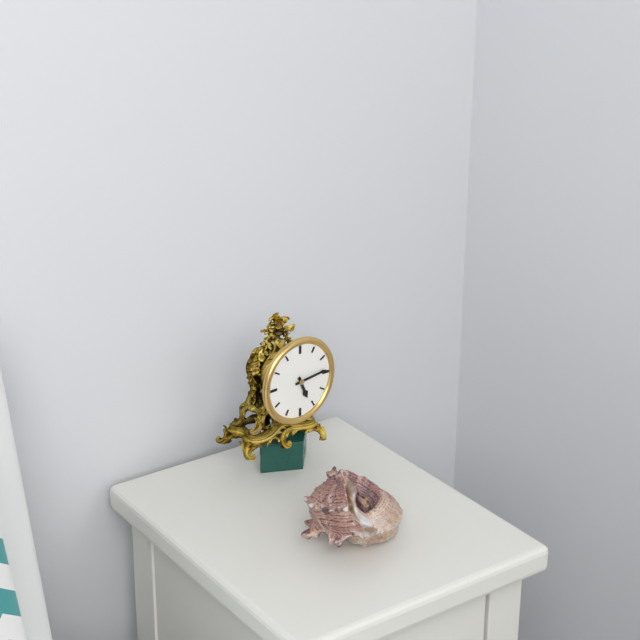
{"hour": 5, "minute": 14}
